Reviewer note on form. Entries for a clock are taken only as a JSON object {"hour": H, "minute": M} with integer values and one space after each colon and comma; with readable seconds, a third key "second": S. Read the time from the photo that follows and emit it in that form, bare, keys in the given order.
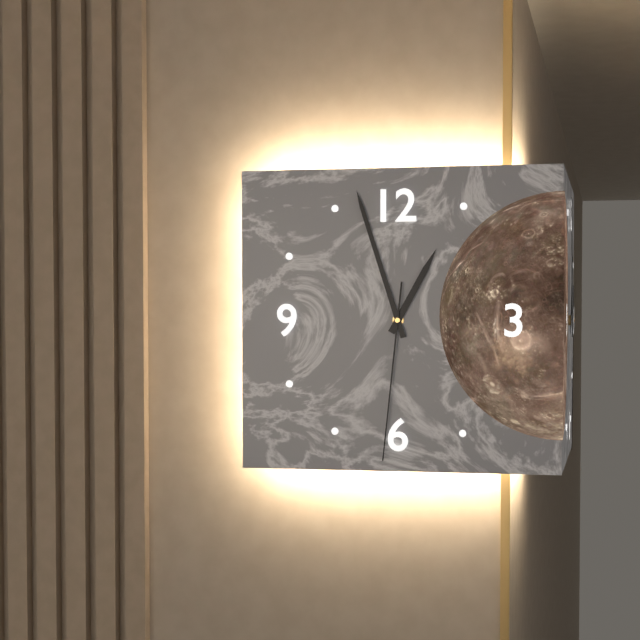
{"hour": 12, "minute": 57, "second": 31}
